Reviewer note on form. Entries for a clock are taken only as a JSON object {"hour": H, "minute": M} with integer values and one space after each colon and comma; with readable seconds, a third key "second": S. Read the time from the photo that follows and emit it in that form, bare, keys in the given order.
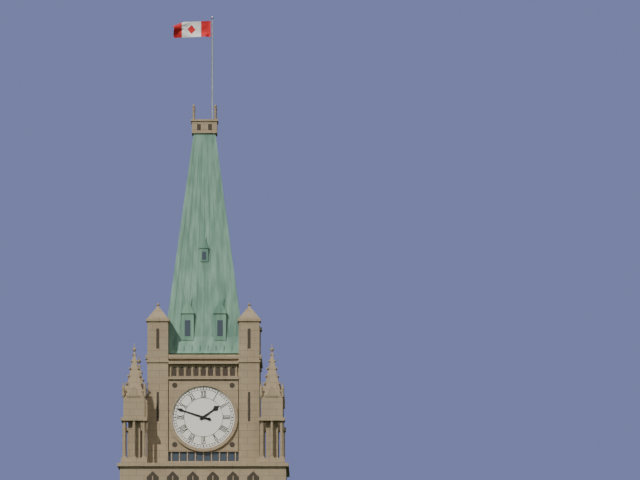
{"hour": 1, "minute": 48}
